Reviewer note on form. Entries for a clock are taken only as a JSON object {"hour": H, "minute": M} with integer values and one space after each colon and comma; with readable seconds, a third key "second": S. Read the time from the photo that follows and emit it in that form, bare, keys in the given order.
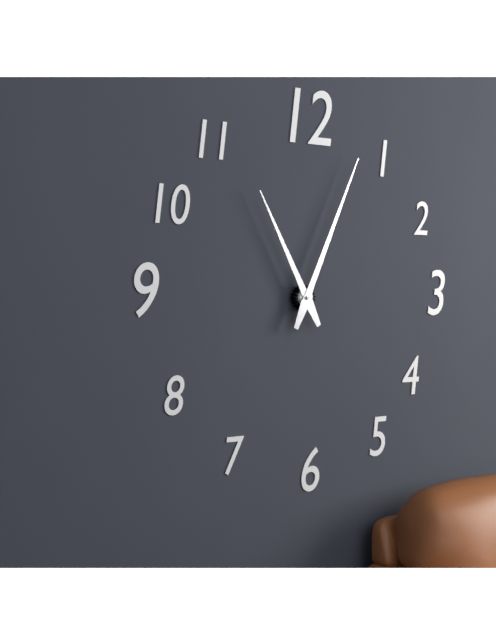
{"hour": 11, "minute": 4}
